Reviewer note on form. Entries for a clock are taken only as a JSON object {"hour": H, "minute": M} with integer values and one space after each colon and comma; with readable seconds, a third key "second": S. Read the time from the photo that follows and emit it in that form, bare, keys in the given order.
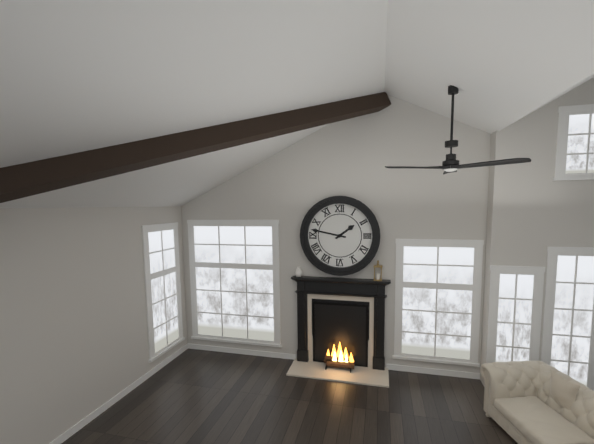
{"hour": 1, "minute": 47}
